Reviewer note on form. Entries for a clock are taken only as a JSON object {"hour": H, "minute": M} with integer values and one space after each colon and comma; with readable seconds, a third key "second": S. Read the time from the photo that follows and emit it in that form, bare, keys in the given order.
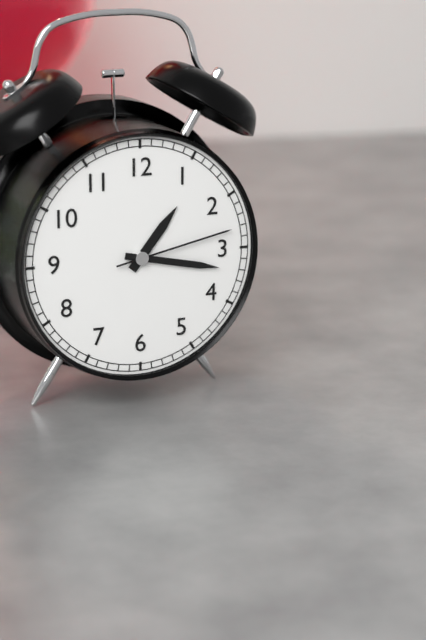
{"hour": 1, "minute": 17, "second": 13}
